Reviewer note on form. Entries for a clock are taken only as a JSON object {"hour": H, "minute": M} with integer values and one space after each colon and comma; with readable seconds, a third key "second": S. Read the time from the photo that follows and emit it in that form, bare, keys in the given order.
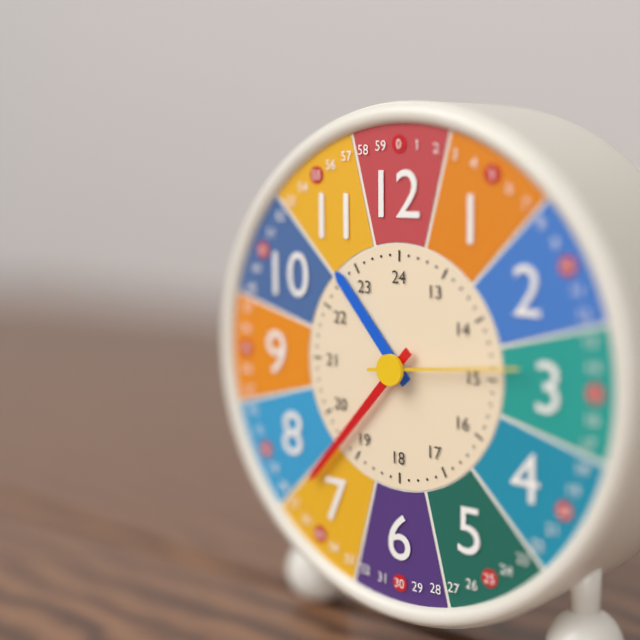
{"hour": 10, "minute": 37, "second": 14}
